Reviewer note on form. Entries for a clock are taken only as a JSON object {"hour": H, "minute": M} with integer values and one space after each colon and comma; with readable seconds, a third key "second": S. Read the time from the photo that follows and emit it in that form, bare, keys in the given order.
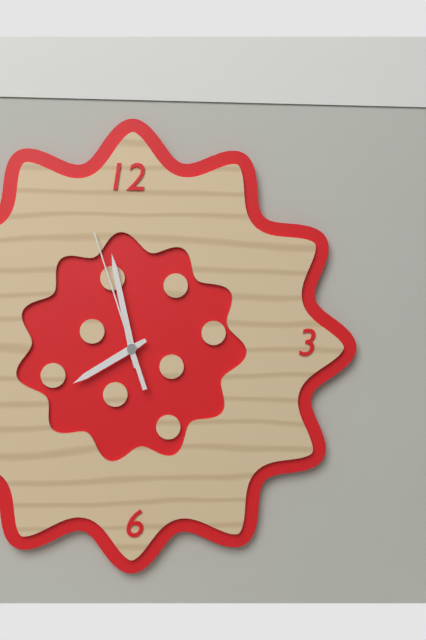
{"hour": 7, "minute": 58, "second": 57}
